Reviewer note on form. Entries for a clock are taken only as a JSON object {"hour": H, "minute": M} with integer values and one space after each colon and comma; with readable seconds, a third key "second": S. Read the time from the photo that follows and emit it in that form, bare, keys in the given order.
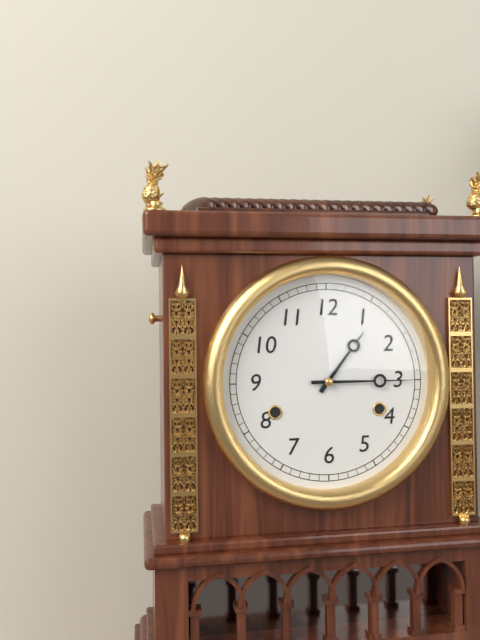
{"hour": 1, "minute": 15}
